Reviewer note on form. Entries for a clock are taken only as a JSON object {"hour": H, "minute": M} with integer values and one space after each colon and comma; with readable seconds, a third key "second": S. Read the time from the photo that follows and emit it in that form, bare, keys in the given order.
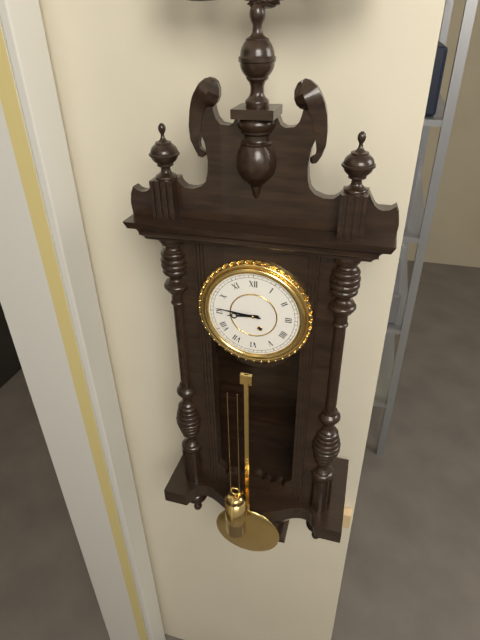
{"hour": 8, "minute": 46}
